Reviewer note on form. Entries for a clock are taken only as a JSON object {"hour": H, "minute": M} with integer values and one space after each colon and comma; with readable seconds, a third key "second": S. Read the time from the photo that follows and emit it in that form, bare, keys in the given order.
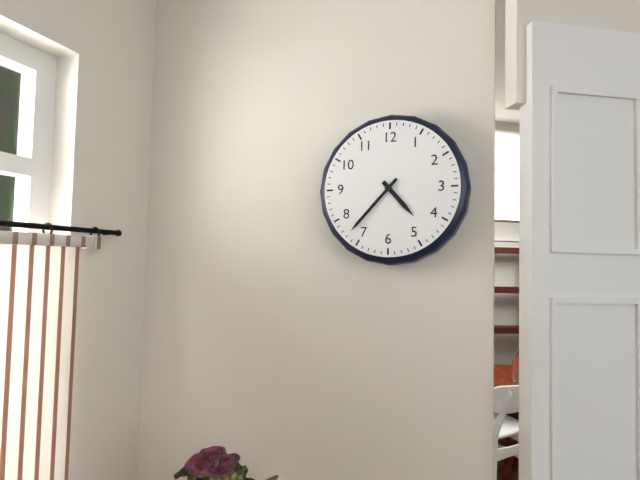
{"hour": 4, "minute": 37}
